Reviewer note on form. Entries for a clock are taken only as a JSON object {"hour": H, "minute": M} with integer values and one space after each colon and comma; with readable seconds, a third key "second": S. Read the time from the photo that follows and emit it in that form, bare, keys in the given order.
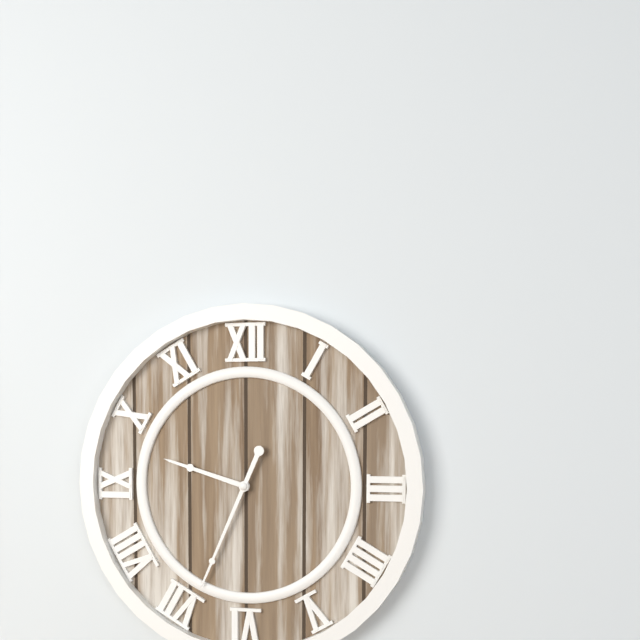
{"hour": 9, "minute": 34}
